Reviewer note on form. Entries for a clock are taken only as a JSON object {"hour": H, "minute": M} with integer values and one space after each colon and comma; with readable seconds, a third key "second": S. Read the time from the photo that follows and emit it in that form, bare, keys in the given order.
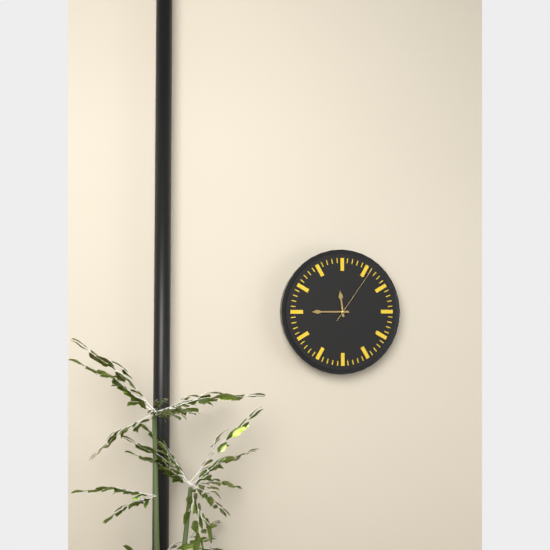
{"hour": 11, "minute": 45, "second": 6}
